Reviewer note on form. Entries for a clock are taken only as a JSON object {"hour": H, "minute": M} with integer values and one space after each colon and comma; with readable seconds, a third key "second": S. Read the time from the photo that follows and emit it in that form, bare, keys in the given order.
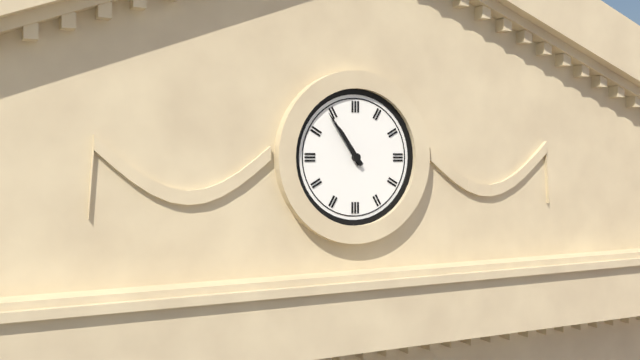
{"hour": 10, "minute": 54}
